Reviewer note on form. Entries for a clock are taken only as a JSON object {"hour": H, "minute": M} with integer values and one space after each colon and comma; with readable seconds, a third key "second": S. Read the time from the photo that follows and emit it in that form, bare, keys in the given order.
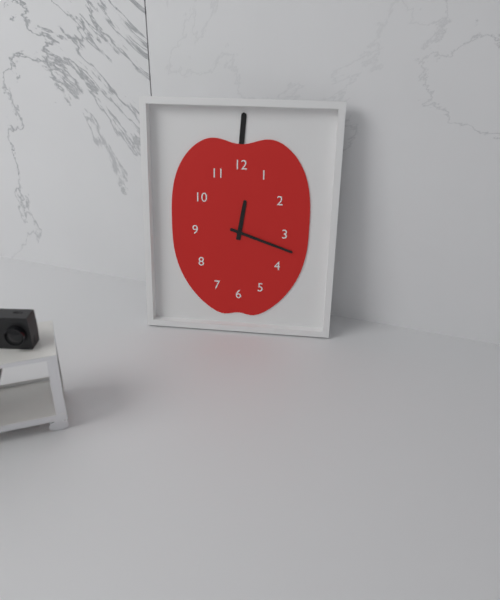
{"hour": 12, "minute": 18}
